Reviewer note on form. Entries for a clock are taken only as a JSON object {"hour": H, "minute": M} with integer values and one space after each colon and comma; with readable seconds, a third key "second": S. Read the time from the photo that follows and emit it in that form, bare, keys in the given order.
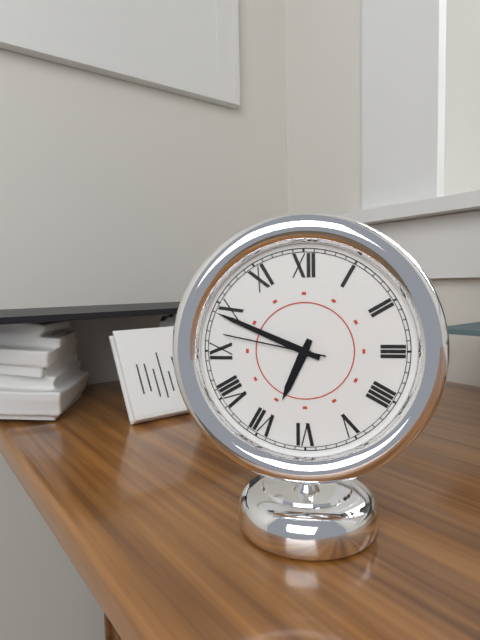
{"hour": 6, "minute": 49, "second": 47}
